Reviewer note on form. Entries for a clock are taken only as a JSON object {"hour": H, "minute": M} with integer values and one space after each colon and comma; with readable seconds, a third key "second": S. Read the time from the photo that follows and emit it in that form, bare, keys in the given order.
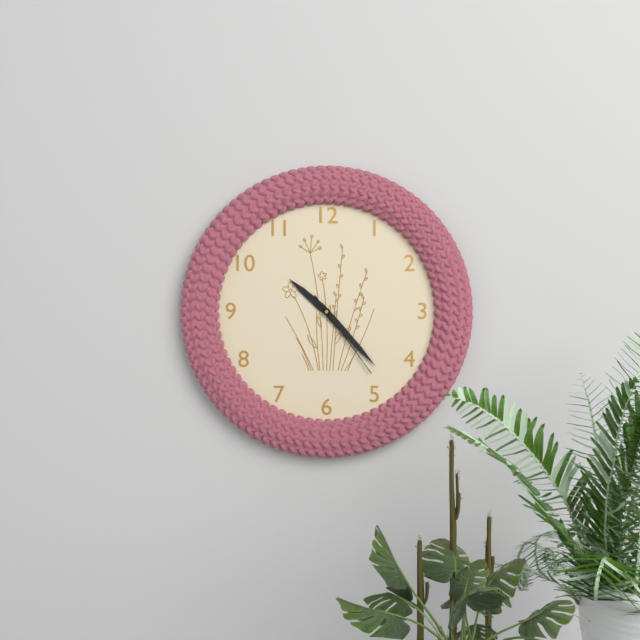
{"hour": 10, "minute": 23, "second": 24}
